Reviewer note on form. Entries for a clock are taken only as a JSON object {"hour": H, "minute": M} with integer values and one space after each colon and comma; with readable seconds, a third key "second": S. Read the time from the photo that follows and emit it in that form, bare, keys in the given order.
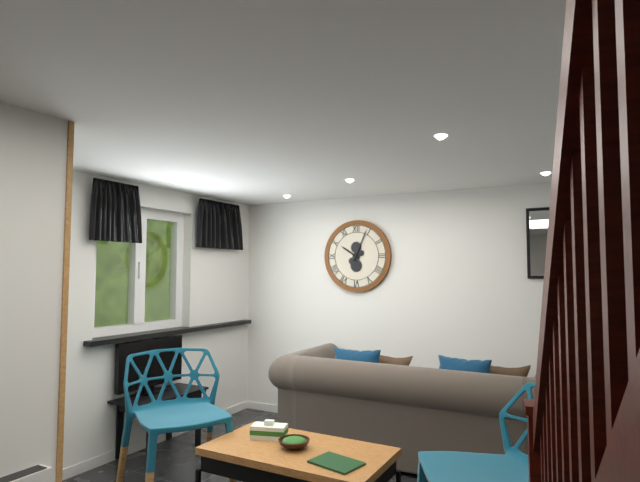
{"hour": 10, "minute": 4}
